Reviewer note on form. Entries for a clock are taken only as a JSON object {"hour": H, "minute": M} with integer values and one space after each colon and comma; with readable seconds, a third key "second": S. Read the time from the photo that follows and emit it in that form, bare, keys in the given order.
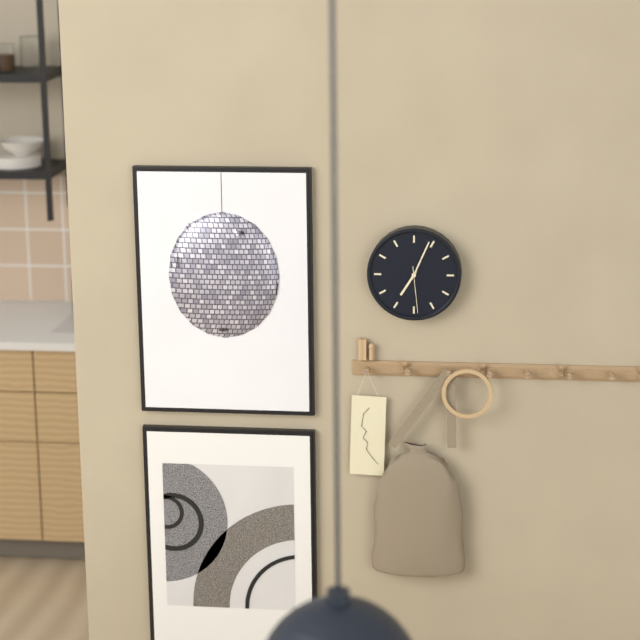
{"hour": 7, "minute": 4}
